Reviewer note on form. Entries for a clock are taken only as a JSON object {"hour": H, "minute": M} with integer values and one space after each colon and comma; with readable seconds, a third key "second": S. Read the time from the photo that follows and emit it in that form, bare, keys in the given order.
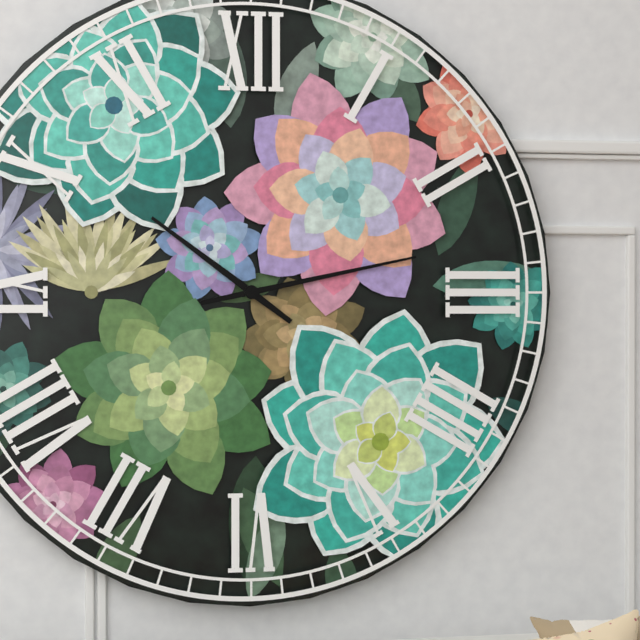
{"hour": 10, "minute": 13}
